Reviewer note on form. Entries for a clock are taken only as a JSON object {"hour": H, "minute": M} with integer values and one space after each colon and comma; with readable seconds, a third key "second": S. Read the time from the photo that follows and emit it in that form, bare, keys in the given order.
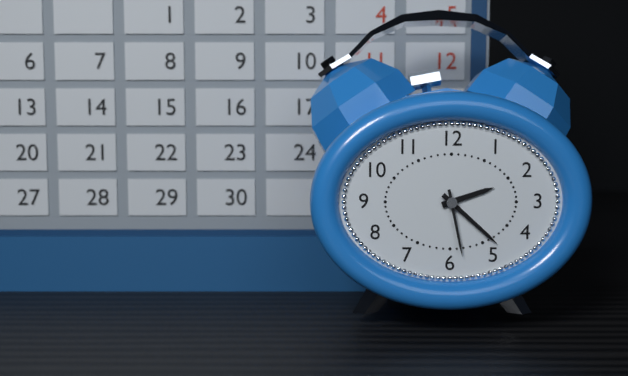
{"hour": 2, "minute": 22, "second": 28}
